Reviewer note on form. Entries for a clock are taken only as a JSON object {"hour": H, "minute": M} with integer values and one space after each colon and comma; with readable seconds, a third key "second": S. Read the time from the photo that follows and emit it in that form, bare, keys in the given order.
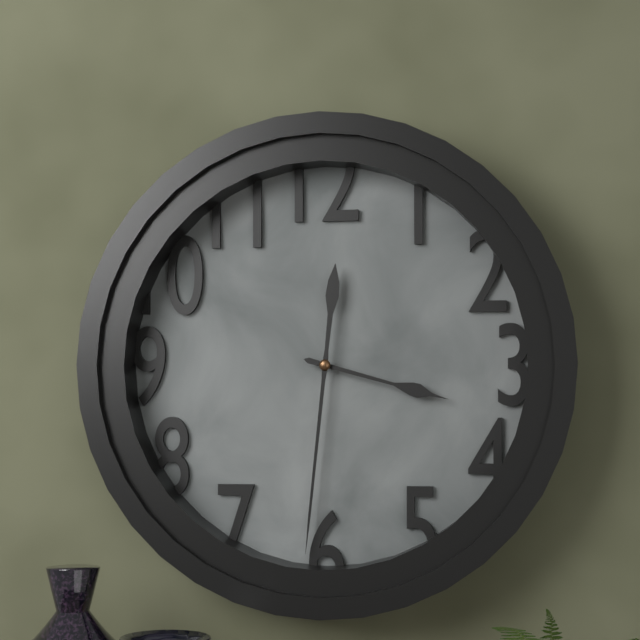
{"hour": 3, "minute": 31}
